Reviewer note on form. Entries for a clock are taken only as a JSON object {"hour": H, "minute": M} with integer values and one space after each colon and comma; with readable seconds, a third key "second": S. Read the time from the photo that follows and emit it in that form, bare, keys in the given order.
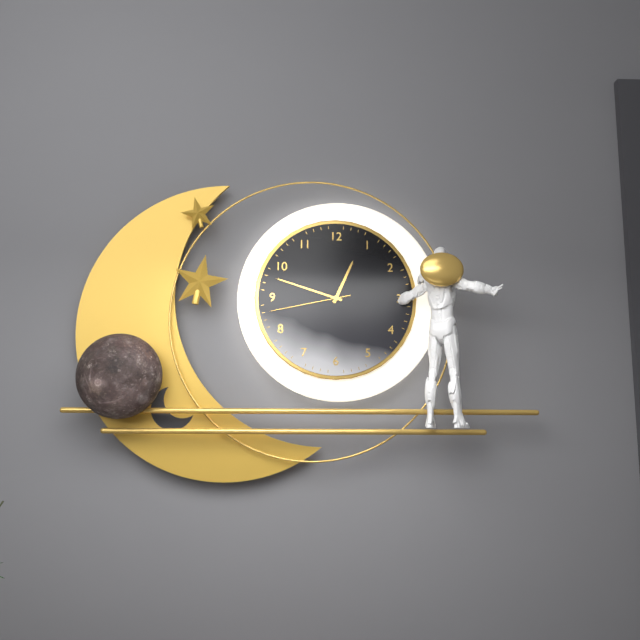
{"hour": 12, "minute": 48, "second": 43}
